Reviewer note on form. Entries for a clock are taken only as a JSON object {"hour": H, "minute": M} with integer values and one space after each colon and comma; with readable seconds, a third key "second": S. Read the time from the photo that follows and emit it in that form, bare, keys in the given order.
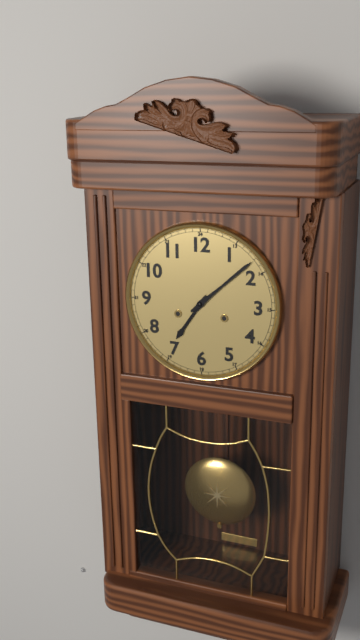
{"hour": 7, "minute": 8}
